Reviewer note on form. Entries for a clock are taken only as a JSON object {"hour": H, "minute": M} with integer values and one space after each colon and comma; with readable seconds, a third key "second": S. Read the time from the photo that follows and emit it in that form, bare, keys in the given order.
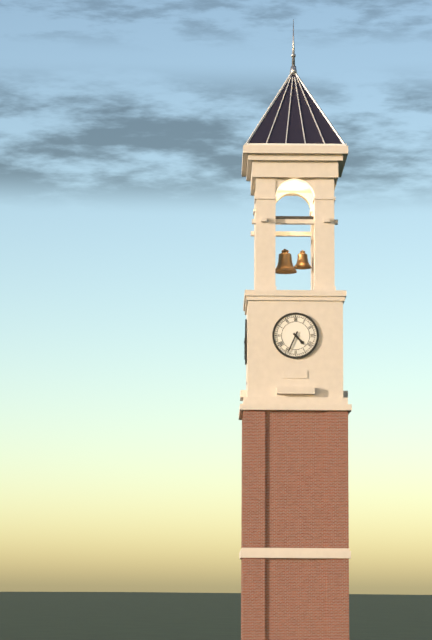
{"hour": 4, "minute": 34}
